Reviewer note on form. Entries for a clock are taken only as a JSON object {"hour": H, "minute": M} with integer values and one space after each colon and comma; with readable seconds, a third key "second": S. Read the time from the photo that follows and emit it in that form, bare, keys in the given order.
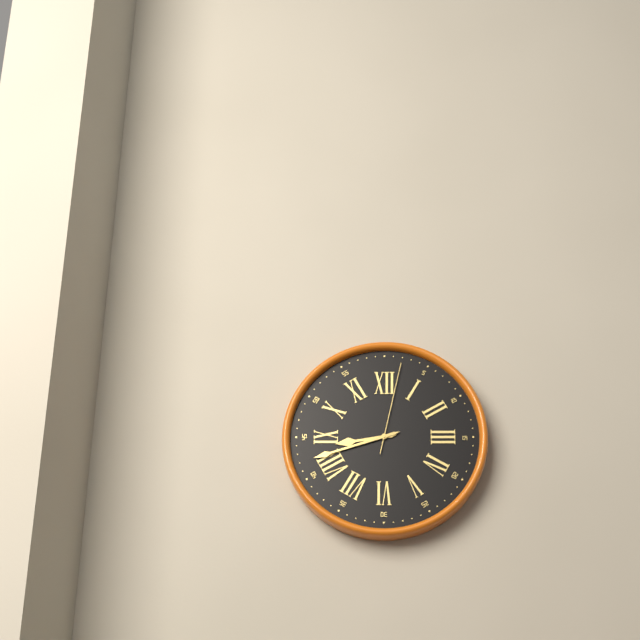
{"hour": 8, "minute": 42, "second": 2}
